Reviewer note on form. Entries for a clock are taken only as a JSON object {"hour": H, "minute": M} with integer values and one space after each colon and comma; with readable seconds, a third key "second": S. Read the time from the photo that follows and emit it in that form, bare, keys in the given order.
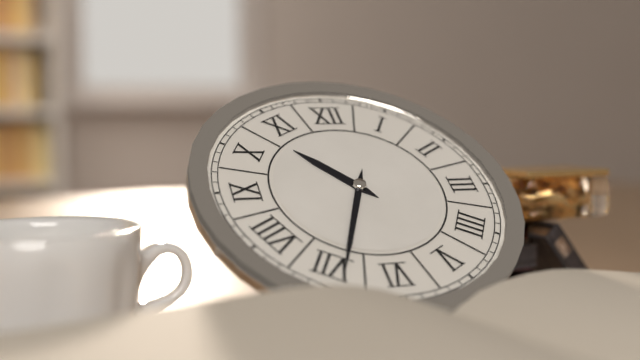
{"hour": 10, "minute": 34}
